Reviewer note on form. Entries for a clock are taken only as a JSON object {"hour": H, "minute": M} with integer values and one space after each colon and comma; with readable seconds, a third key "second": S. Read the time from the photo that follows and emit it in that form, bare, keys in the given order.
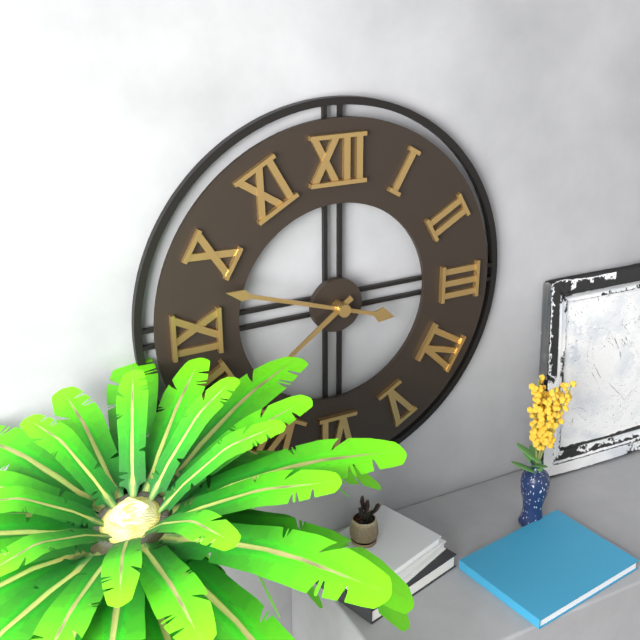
{"hour": 7, "minute": 48}
